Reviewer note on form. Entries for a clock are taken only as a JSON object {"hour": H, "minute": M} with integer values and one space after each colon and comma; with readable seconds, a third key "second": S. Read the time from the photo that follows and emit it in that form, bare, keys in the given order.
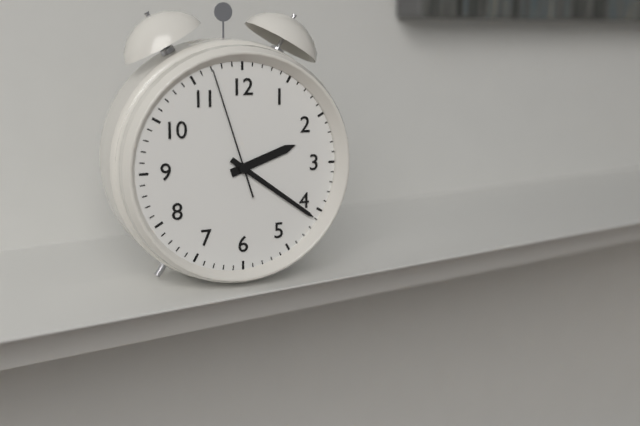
{"hour": 2, "minute": 21, "second": 57}
